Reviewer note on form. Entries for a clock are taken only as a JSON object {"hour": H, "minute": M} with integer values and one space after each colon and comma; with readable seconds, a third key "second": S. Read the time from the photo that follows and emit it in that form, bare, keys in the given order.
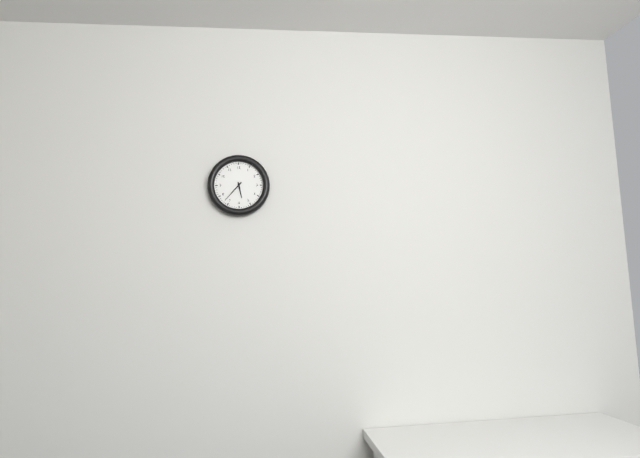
{"hour": 5, "minute": 37}
